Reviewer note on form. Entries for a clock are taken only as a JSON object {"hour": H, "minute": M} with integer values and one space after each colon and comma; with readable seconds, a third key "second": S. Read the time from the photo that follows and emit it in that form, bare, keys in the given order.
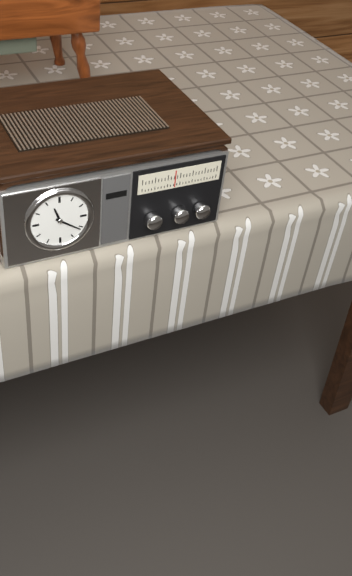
{"hour": 11, "minute": 21}
